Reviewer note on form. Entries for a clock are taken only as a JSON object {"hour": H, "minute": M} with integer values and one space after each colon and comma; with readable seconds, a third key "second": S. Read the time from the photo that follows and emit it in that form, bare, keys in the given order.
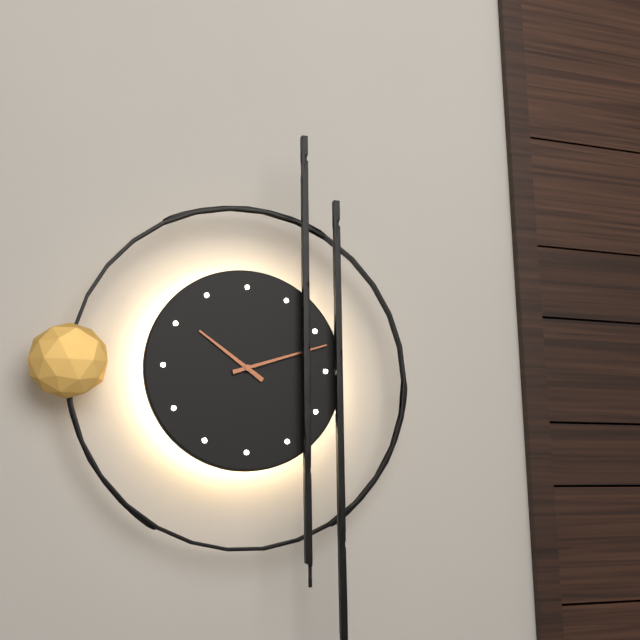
{"hour": 10, "minute": 12}
